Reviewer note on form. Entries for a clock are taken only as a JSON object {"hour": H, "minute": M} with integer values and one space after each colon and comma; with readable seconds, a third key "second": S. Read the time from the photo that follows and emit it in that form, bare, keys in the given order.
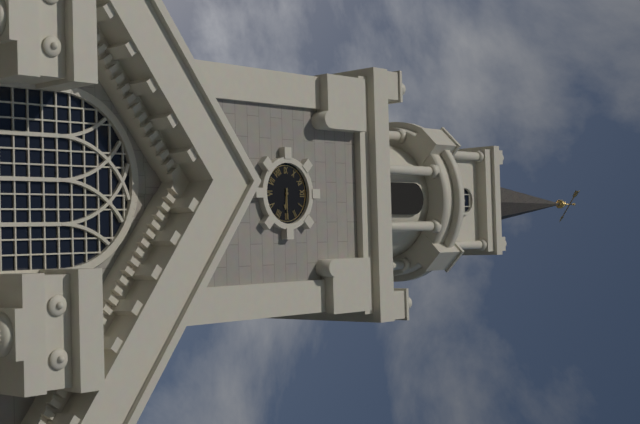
{"hour": 3, "minute": 15}
